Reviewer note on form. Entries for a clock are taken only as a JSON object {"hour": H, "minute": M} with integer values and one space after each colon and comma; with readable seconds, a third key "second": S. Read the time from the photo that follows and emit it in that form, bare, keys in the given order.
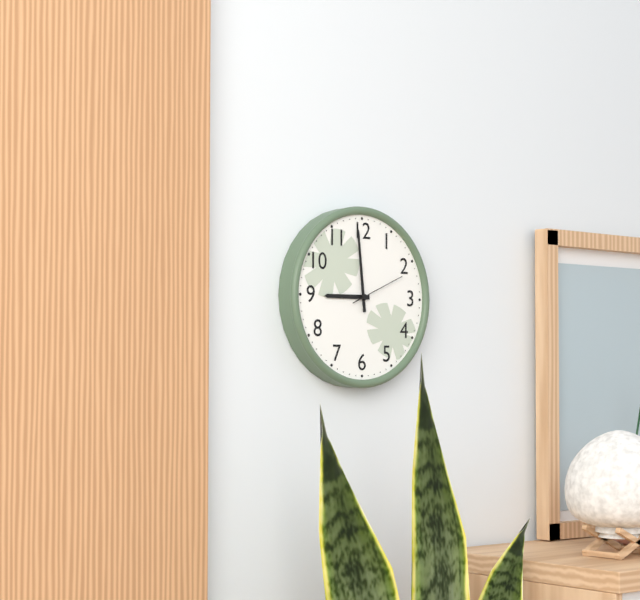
{"hour": 8, "minute": 59, "second": 11}
